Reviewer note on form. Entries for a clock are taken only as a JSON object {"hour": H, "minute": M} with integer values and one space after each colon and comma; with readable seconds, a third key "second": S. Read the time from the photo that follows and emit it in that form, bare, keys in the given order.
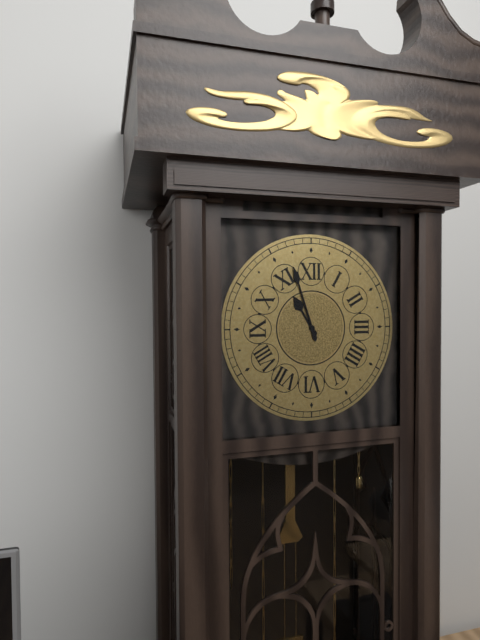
{"hour": 10, "minute": 57}
